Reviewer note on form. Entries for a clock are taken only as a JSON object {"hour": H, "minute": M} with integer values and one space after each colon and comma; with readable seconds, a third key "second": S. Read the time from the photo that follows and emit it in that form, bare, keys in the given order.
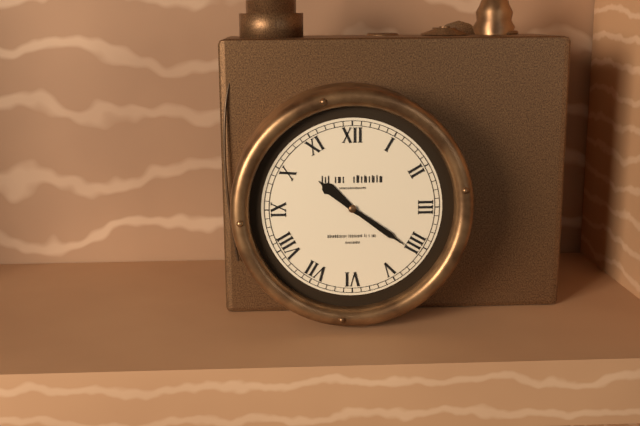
{"hour": 10, "minute": 21}
